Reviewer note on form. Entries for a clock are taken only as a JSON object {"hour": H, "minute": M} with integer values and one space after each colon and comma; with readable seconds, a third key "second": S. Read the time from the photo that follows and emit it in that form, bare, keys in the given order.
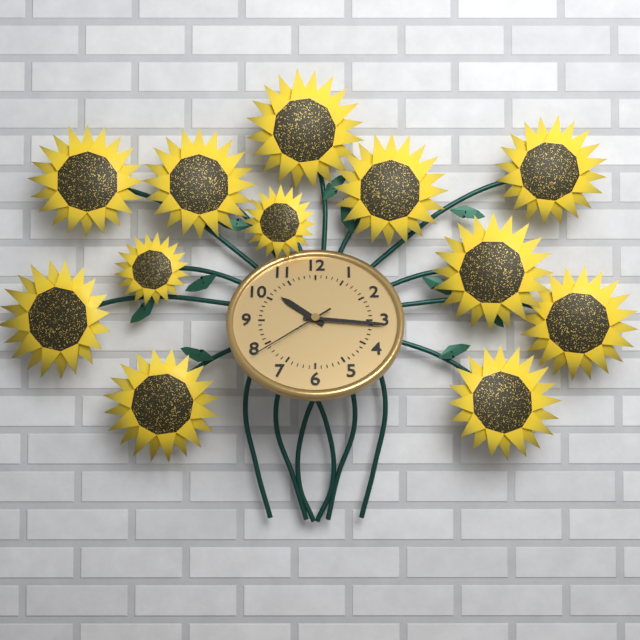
{"hour": 10, "minute": 16, "second": 39}
